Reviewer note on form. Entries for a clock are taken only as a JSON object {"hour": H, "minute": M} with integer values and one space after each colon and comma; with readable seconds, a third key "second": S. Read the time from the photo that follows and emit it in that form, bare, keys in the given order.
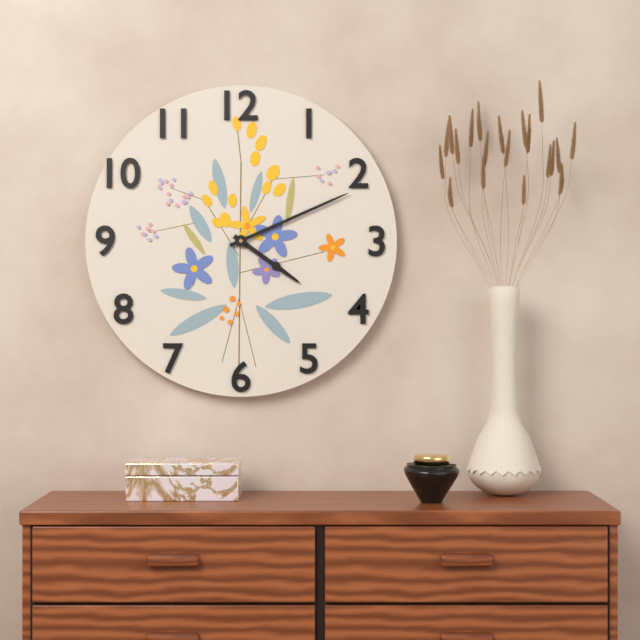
{"hour": 4, "minute": 11}
